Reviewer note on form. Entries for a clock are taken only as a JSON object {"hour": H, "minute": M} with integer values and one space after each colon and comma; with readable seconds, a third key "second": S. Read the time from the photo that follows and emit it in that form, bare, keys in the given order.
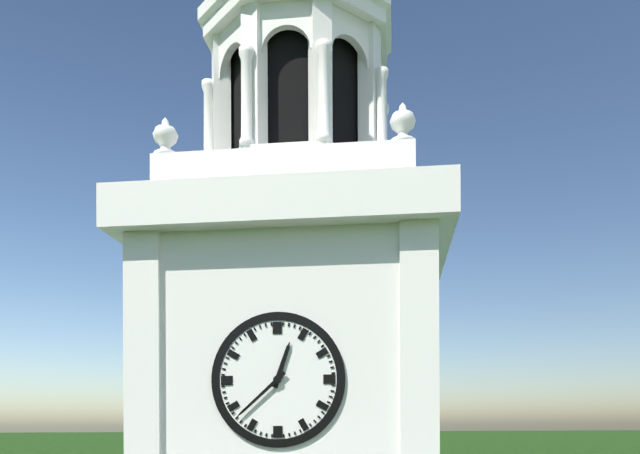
{"hour": 12, "minute": 38}
